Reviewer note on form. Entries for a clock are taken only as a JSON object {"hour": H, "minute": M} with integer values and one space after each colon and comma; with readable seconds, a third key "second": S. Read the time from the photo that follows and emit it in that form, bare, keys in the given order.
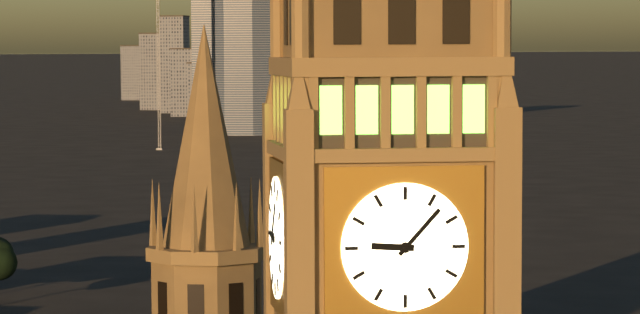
{"hour": 9, "minute": 7}
